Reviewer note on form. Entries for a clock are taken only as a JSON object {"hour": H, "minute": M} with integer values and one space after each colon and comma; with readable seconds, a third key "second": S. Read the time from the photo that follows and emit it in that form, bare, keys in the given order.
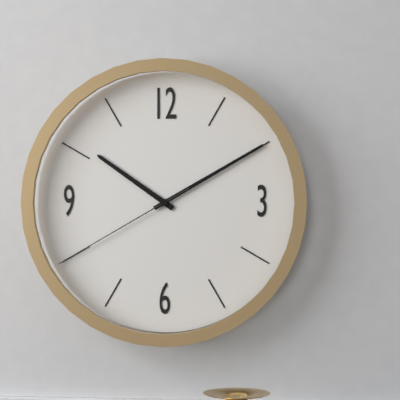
{"hour": 10, "minute": 10, "second": 40}
